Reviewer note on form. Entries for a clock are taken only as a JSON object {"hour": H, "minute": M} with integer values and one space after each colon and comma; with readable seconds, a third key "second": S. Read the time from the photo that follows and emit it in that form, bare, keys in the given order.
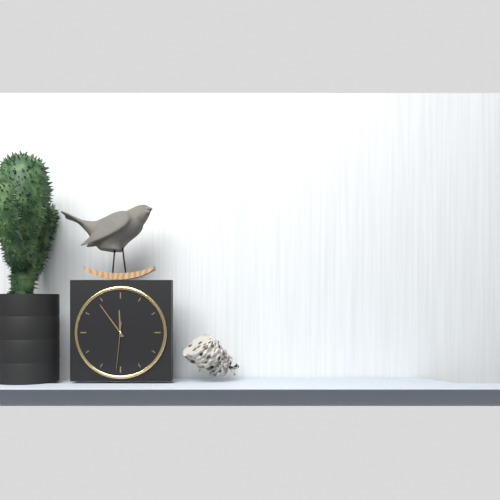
{"hour": 11, "minute": 54}
